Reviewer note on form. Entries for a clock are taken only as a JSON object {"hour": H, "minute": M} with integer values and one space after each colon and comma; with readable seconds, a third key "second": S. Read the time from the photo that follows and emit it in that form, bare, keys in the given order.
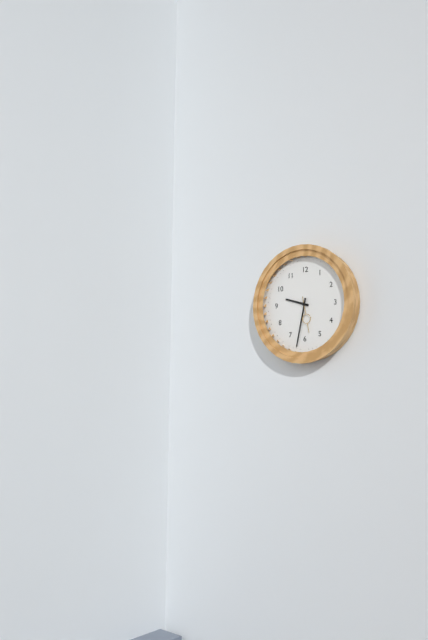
{"hour": 9, "minute": 32}
